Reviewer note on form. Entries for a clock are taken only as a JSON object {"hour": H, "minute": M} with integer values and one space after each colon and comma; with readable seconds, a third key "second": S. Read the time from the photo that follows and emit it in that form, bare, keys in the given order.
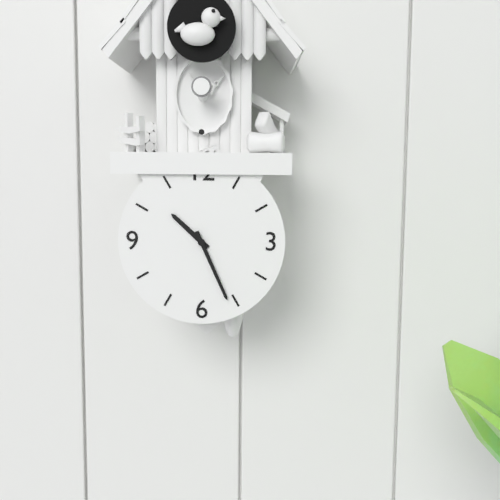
{"hour": 10, "minute": 26}
